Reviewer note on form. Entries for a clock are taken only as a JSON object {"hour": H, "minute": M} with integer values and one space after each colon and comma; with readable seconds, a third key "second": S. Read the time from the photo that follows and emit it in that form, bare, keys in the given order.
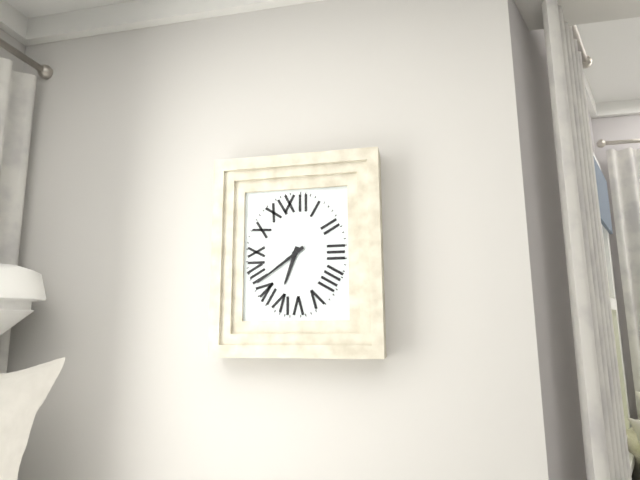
{"hour": 6, "minute": 39}
